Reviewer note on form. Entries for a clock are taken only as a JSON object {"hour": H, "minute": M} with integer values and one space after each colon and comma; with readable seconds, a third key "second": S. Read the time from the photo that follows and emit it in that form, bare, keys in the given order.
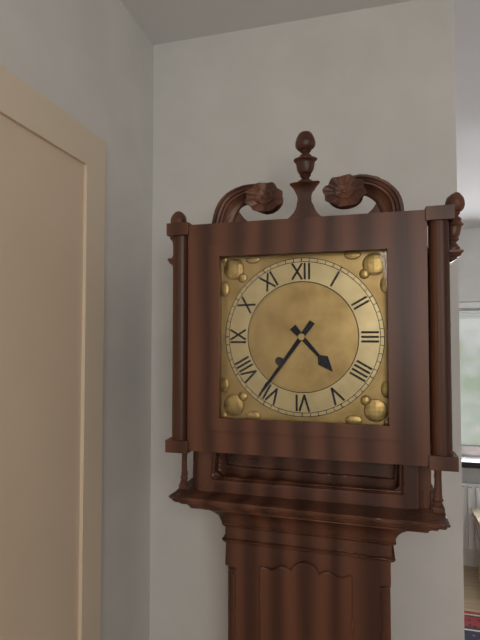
{"hour": 4, "minute": 36}
